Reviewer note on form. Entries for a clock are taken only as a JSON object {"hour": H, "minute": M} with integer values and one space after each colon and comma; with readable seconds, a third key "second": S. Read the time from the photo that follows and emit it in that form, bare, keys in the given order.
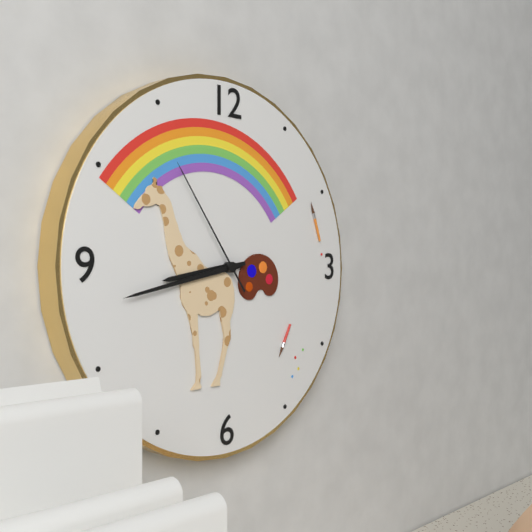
{"hour": 8, "minute": 43, "second": 54}
